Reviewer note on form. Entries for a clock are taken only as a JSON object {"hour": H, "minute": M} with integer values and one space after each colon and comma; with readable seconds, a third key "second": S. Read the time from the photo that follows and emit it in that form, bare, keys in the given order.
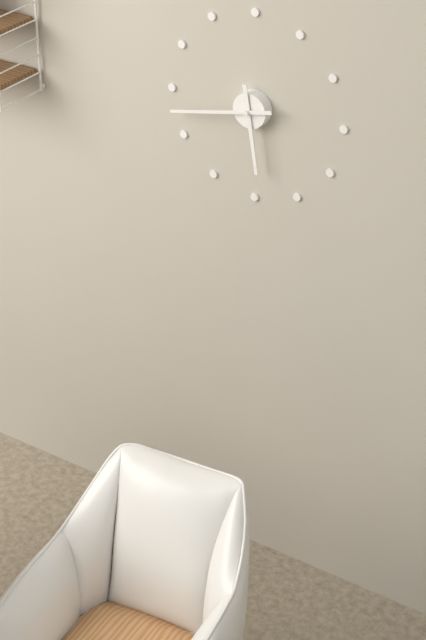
{"hour": 5, "minute": 43}
